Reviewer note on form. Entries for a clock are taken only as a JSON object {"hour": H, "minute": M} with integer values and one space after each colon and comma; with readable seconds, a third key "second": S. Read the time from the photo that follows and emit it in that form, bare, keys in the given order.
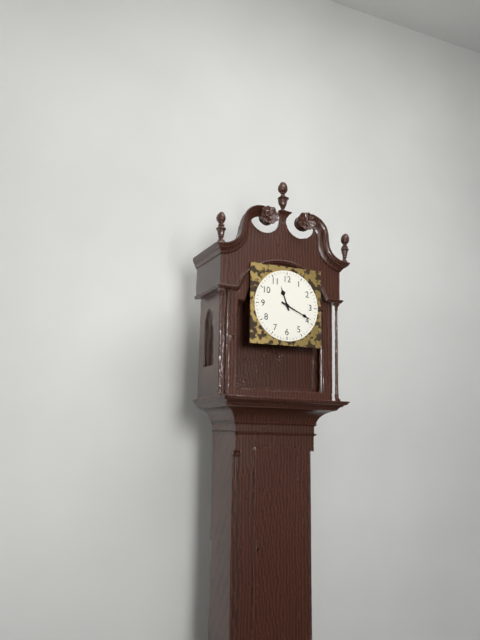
{"hour": 11, "minute": 19}
